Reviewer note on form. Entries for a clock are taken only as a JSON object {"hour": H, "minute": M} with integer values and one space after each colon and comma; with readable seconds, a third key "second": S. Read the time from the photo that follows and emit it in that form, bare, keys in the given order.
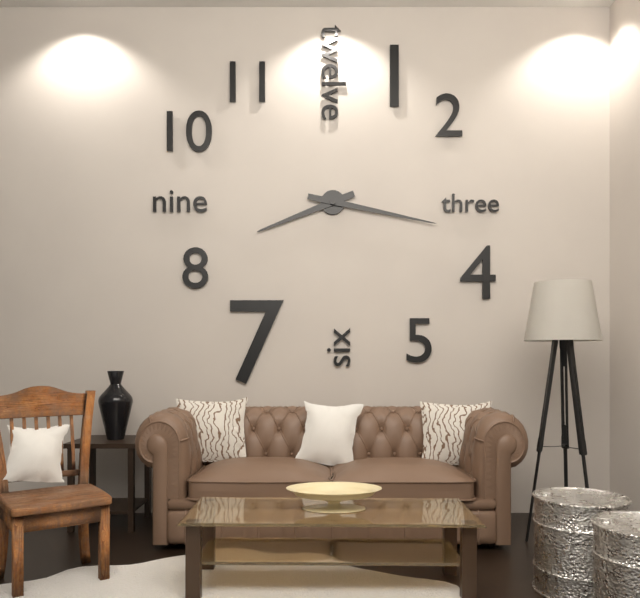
{"hour": 8, "minute": 17}
